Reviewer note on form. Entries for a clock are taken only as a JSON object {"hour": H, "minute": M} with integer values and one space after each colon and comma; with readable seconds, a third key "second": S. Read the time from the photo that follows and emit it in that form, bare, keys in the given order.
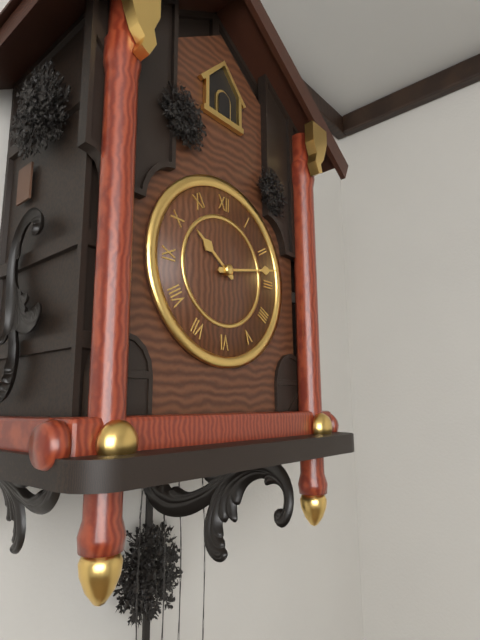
{"hour": 10, "minute": 13}
